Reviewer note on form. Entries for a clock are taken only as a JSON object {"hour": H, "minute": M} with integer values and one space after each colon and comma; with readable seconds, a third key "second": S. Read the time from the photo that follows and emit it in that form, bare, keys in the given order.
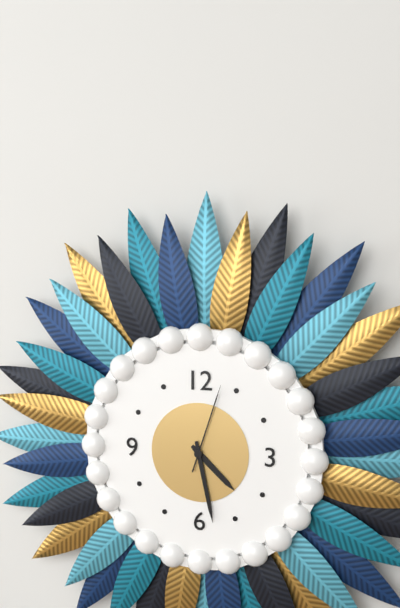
{"hour": 4, "minute": 28, "second": 3}
